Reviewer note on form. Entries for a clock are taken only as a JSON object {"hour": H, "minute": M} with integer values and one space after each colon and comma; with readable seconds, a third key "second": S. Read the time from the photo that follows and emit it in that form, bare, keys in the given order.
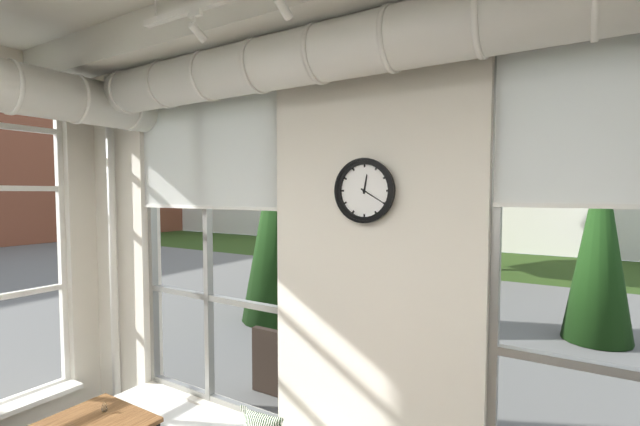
{"hour": 12, "minute": 20}
